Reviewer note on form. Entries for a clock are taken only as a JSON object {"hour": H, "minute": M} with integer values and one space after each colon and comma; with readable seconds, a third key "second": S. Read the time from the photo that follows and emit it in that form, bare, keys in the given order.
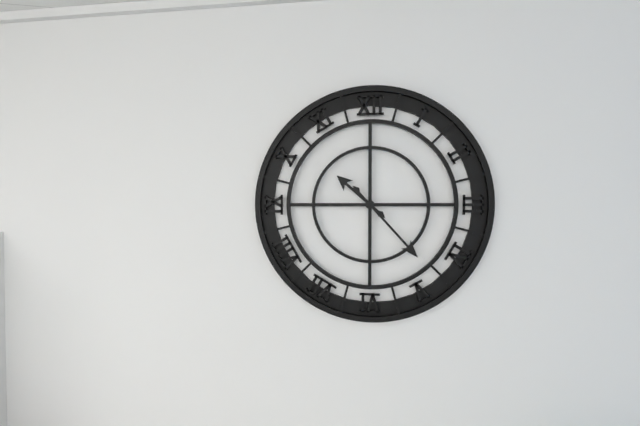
{"hour": 10, "minute": 23}
